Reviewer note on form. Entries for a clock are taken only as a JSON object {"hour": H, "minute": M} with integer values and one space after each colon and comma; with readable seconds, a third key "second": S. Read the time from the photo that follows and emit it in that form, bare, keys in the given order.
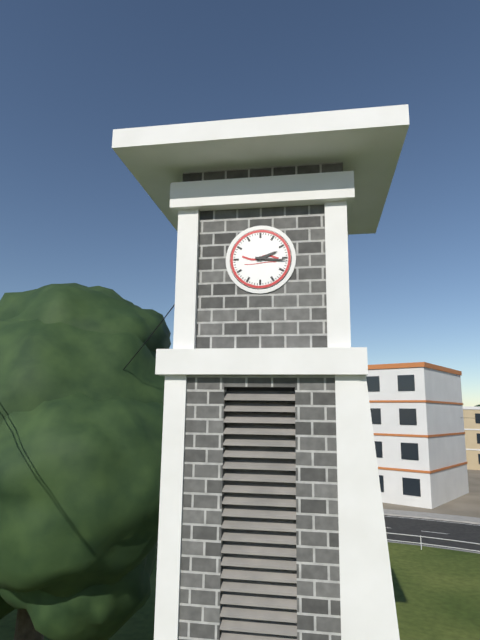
{"hour": 2, "minute": 16}
